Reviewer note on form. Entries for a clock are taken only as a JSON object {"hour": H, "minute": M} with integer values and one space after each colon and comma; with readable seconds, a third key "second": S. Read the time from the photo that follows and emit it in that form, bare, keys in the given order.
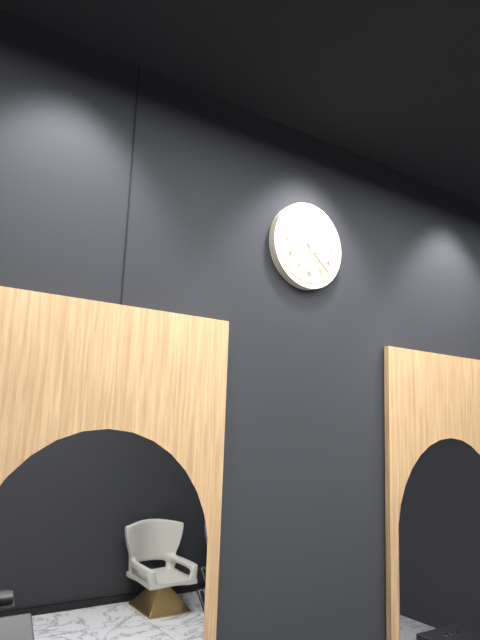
{"hour": 5, "minute": 22}
